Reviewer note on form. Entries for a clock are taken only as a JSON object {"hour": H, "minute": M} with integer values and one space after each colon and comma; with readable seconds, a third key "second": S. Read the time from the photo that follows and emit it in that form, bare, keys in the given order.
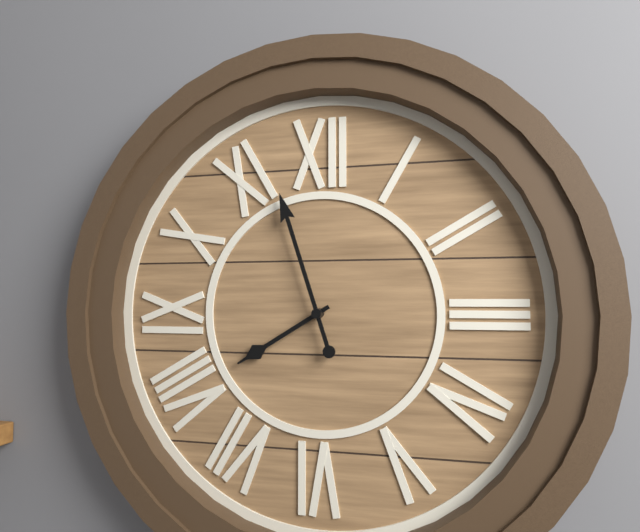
{"hour": 7, "minute": 57}
